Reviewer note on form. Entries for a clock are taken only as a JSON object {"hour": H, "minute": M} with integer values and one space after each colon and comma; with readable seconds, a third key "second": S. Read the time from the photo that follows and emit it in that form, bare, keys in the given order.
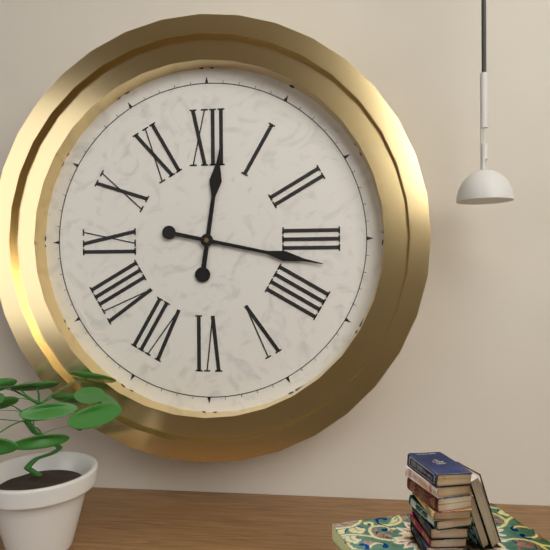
{"hour": 12, "minute": 17}
